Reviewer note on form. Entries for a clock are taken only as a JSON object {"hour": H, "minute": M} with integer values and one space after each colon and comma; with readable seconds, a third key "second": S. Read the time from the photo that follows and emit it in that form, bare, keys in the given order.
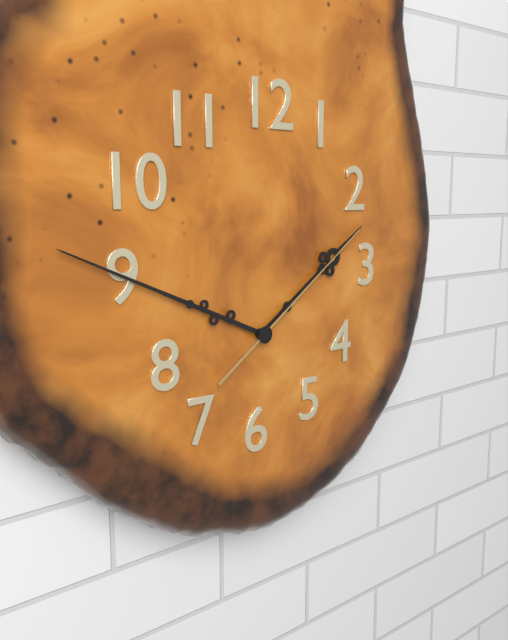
{"hour": 1, "minute": 49, "second": 9}
